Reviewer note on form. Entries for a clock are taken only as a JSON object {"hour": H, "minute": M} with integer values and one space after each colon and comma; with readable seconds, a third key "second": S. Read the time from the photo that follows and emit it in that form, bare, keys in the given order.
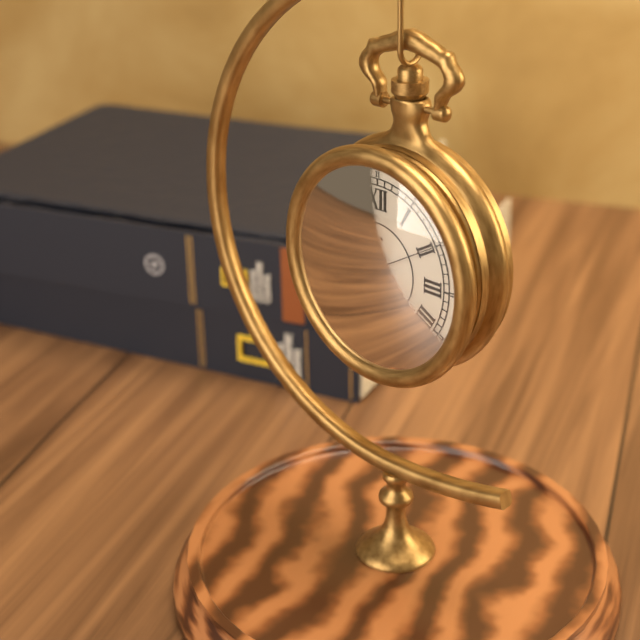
{"hour": 6, "minute": 33, "second": 10}
